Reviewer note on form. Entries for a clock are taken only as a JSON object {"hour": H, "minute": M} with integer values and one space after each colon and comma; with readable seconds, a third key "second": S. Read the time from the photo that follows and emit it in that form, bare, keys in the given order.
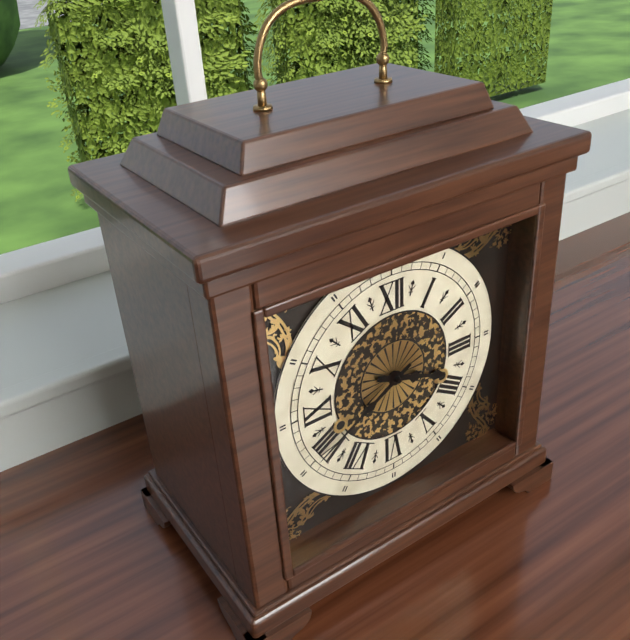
{"hour": 3, "minute": 40}
